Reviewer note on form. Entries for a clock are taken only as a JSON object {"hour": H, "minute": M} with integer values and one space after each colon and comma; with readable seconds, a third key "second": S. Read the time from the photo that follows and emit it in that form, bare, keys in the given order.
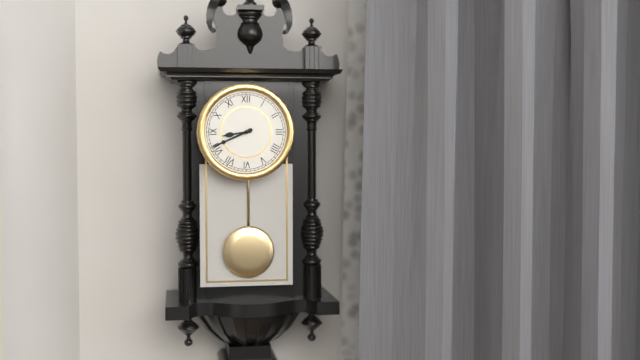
{"hour": 8, "minute": 41}
